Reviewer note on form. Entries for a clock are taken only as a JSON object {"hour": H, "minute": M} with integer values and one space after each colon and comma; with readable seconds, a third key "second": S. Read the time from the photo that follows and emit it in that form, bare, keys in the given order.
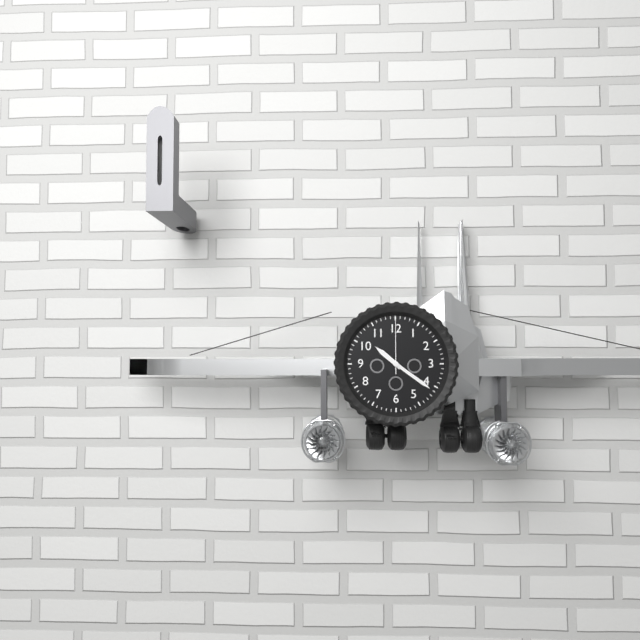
{"hour": 10, "minute": 21, "second": 0}
